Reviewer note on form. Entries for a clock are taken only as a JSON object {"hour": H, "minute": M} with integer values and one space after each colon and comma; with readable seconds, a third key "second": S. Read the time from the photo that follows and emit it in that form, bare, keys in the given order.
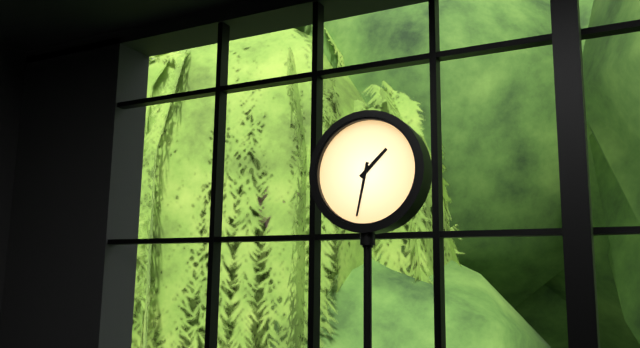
{"hour": 1, "minute": 32}
